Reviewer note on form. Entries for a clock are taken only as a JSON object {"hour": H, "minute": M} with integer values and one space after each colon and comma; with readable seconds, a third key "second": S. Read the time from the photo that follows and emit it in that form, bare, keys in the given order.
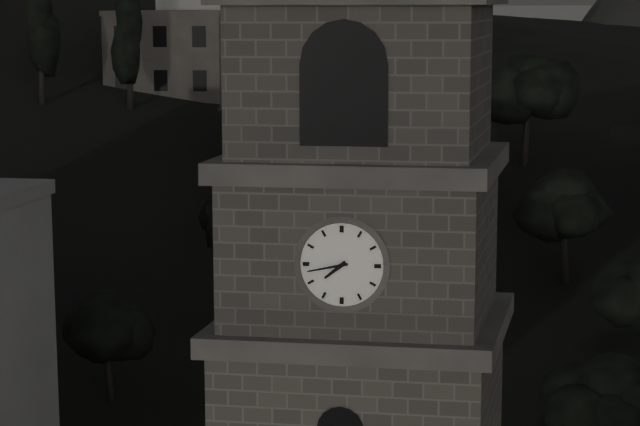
{"hour": 7, "minute": 43}
